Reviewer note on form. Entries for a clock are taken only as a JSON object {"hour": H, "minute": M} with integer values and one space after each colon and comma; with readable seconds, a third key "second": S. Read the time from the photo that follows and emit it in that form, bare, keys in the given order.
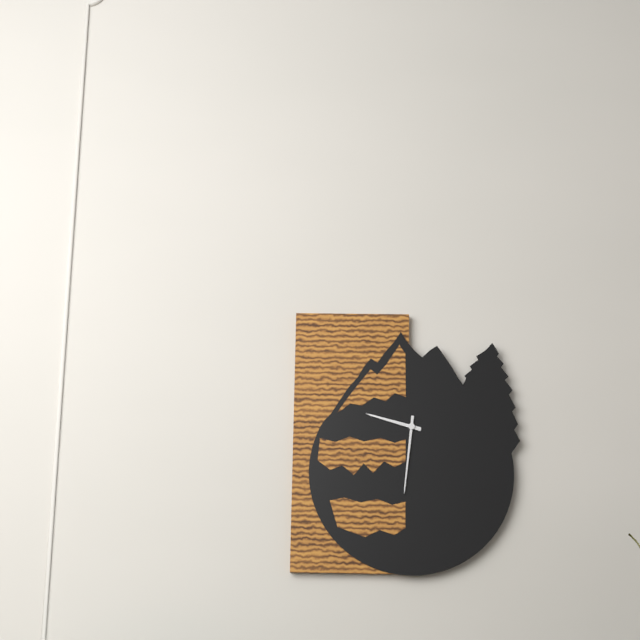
{"hour": 9, "minute": 31}
